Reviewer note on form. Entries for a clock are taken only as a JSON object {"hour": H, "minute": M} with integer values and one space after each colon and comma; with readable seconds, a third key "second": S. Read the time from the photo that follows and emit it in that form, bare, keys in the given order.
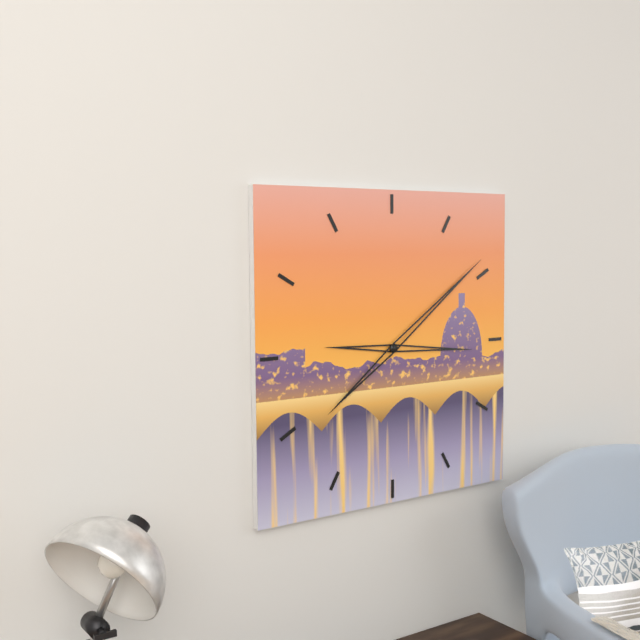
{"hour": 3, "minute": 9}
